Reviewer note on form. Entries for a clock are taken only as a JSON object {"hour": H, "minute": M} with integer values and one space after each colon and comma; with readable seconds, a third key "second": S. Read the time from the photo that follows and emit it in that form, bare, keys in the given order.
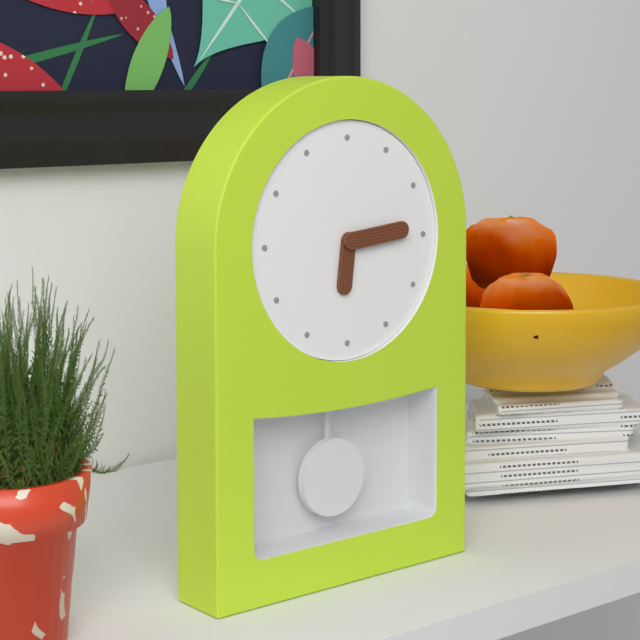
{"hour": 6, "minute": 14}
